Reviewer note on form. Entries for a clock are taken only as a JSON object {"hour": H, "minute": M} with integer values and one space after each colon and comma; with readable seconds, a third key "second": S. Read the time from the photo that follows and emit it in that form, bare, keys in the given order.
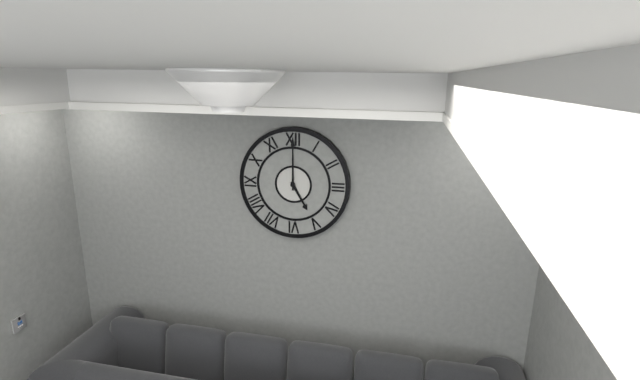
{"hour": 5, "minute": 0}
